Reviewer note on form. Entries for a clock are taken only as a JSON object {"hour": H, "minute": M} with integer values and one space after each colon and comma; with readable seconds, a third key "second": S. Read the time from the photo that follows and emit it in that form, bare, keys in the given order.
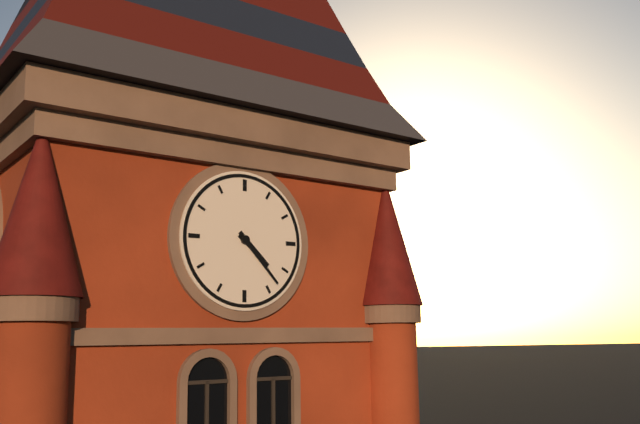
{"hour": 4, "minute": 23}
